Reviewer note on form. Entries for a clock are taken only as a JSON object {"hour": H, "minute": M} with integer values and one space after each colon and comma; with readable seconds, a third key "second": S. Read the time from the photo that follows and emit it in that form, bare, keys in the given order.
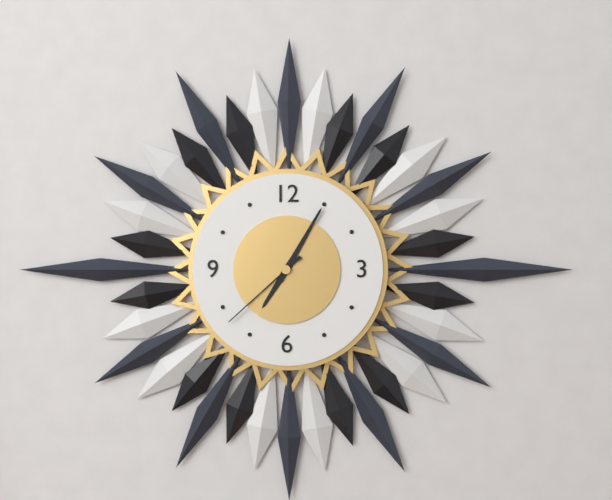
{"hour": 7, "minute": 5, "second": 38}
